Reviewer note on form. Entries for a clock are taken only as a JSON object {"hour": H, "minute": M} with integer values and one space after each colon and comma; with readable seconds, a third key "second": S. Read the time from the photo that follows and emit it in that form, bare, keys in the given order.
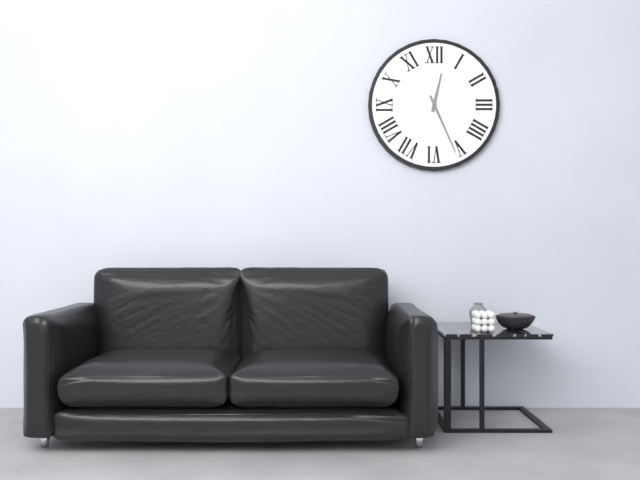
{"hour": 12, "minute": 26}
